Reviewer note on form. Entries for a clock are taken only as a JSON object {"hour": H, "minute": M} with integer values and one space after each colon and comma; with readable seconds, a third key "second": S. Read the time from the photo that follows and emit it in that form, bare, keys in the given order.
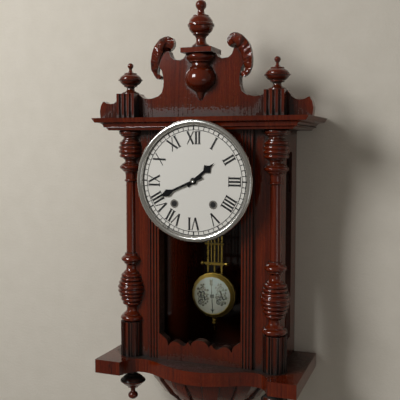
{"hour": 1, "minute": 41}
